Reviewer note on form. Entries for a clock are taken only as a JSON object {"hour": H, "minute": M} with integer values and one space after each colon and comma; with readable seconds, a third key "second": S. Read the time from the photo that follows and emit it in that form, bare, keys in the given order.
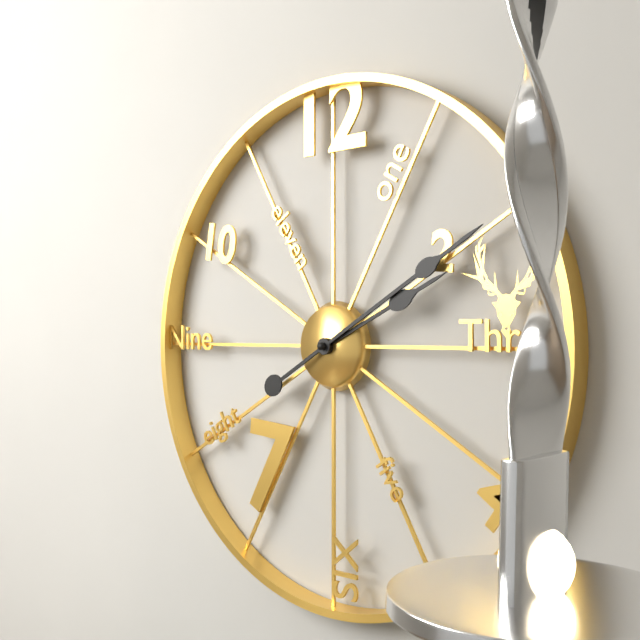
{"hour": 2, "minute": 10}
